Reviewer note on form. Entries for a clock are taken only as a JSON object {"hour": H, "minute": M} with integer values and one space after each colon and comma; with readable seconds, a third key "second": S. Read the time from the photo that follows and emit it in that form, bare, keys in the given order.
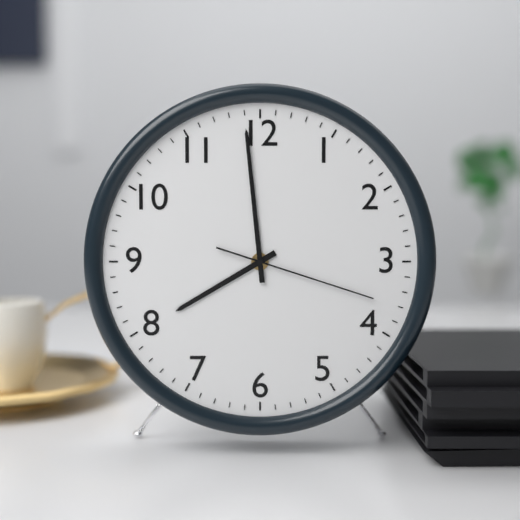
{"hour": 7, "minute": 59, "second": 18}
